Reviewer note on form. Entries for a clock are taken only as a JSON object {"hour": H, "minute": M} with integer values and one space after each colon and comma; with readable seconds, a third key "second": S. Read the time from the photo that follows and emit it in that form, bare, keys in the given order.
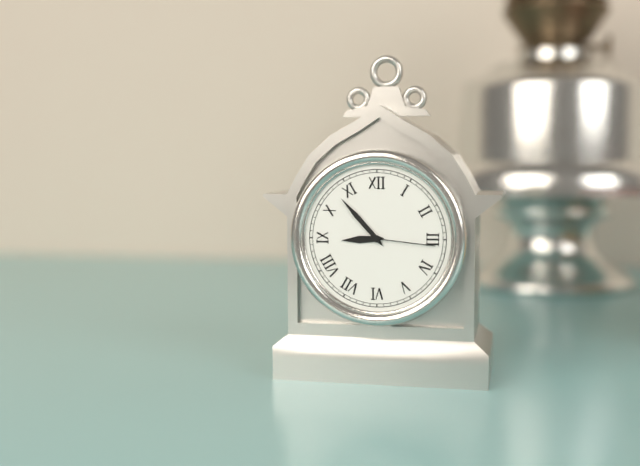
{"hour": 8, "minute": 53, "second": 16}
